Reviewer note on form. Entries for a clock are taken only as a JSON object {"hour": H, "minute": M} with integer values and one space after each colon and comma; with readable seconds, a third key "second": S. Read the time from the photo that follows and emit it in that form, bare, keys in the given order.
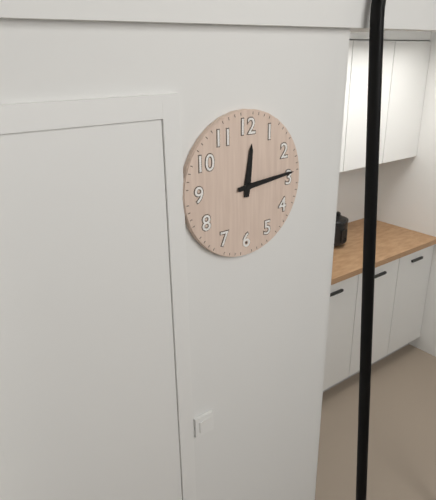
{"hour": 12, "minute": 14}
